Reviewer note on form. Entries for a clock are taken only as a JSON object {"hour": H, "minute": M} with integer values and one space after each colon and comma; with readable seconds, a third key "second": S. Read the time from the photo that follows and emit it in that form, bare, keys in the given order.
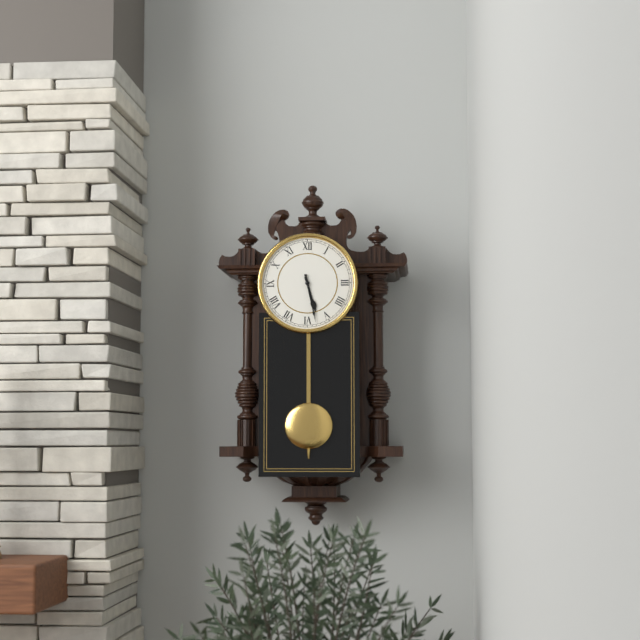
{"hour": 5, "minute": 28}
